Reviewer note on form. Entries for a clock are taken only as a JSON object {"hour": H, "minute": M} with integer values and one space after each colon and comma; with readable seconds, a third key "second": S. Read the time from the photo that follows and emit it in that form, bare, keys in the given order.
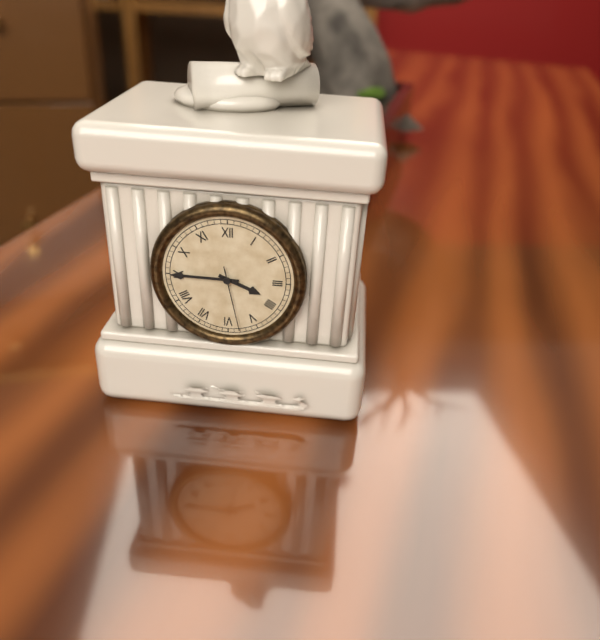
{"hour": 3, "minute": 45, "second": 28}
